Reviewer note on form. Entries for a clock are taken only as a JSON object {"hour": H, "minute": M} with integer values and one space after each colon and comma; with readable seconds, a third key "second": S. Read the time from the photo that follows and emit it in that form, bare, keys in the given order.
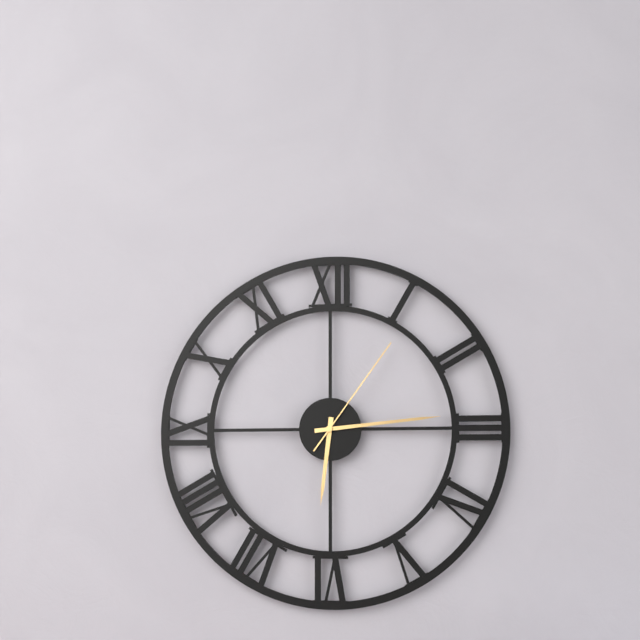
{"hour": 6, "minute": 14, "second": 6}
